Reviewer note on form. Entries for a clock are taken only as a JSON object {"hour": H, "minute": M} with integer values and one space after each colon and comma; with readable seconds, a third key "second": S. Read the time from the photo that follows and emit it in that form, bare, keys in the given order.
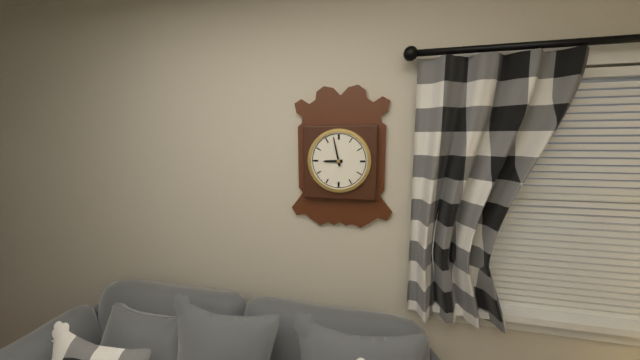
{"hour": 8, "minute": 58}
